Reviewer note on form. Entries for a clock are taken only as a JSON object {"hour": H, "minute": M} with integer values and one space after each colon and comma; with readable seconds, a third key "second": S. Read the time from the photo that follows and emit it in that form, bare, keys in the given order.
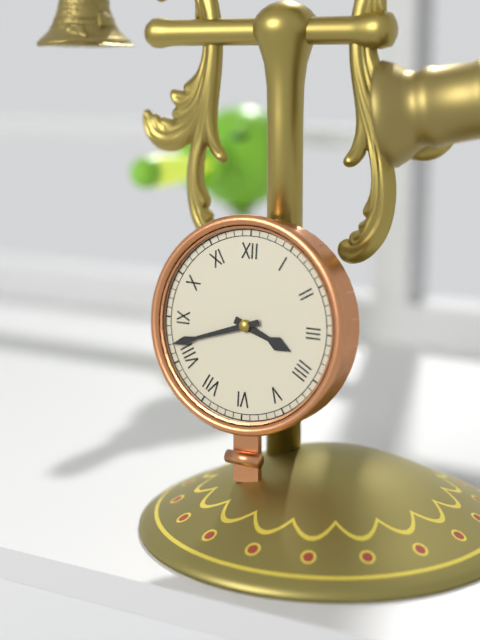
{"hour": 3, "minute": 42}
